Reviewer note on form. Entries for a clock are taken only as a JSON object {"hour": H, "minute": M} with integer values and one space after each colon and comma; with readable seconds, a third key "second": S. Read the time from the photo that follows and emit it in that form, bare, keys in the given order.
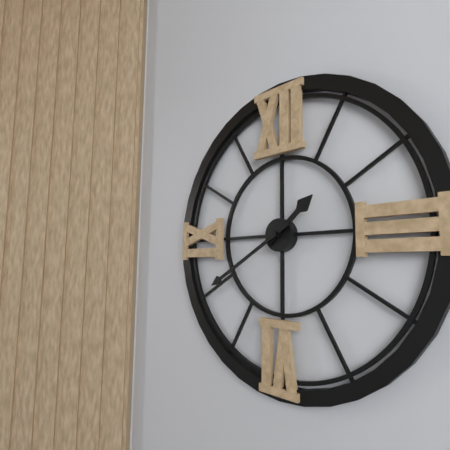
{"hour": 1, "minute": 40}
